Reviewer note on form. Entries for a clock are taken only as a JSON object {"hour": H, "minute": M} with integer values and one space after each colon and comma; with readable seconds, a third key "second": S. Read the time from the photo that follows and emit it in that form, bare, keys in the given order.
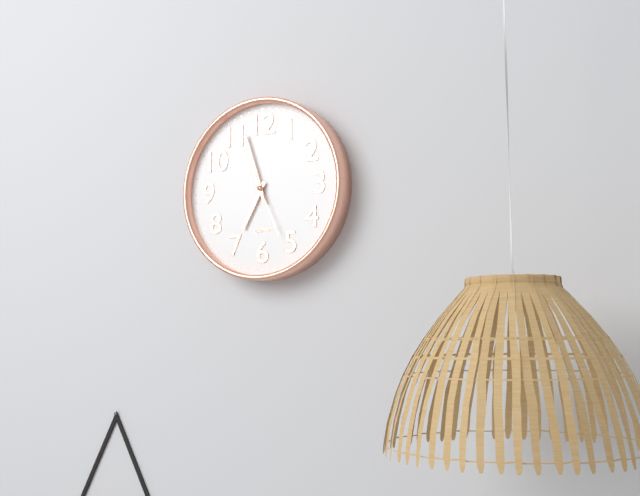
{"hour": 6, "minute": 57, "second": 26}
